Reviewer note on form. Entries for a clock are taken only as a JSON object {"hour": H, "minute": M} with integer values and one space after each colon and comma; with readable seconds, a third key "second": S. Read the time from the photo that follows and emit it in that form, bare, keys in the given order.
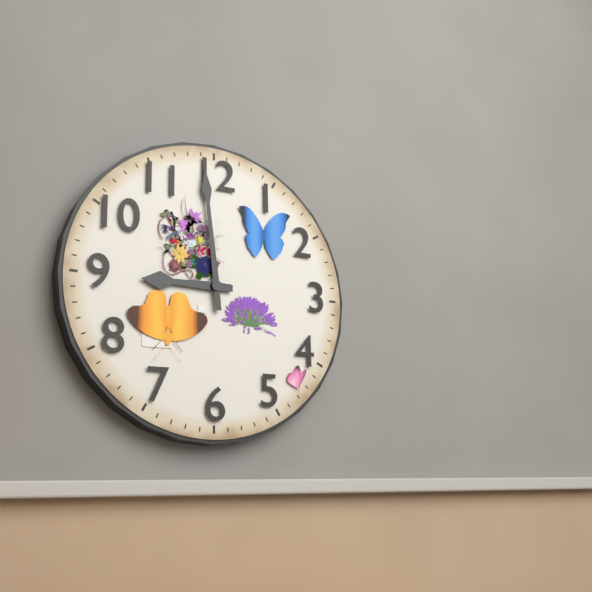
{"hour": 8, "minute": 59}
